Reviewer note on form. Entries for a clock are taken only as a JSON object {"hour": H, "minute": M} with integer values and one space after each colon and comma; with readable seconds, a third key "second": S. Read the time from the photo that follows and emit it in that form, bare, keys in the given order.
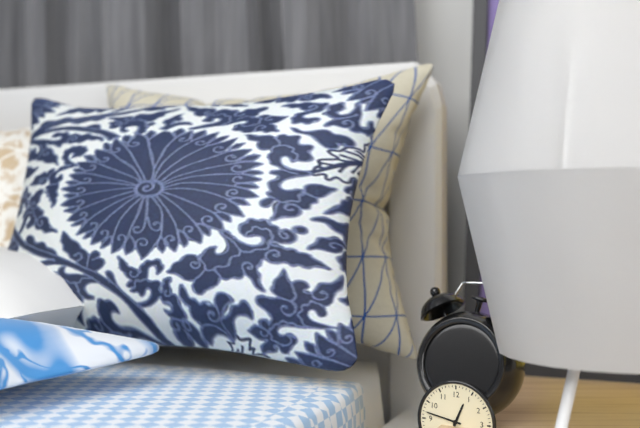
{"hour": 12, "minute": 47}
